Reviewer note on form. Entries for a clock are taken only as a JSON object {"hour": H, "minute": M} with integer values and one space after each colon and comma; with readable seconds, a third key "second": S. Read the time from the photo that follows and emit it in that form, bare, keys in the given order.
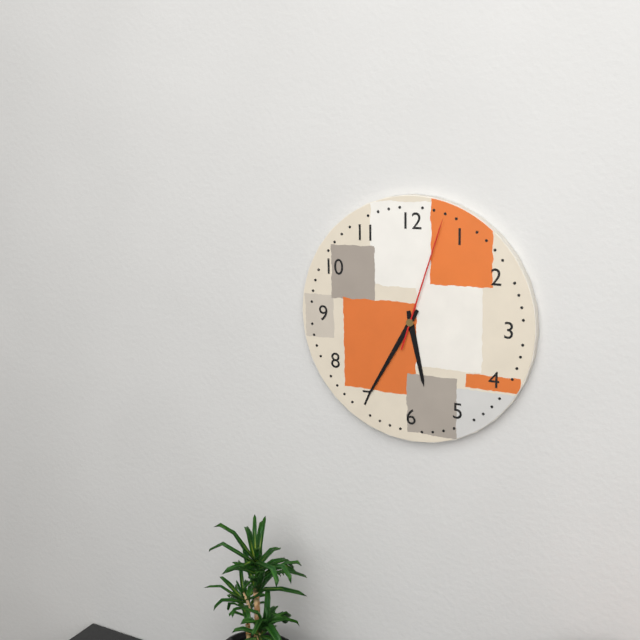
{"hour": 5, "minute": 35, "second": 3}
